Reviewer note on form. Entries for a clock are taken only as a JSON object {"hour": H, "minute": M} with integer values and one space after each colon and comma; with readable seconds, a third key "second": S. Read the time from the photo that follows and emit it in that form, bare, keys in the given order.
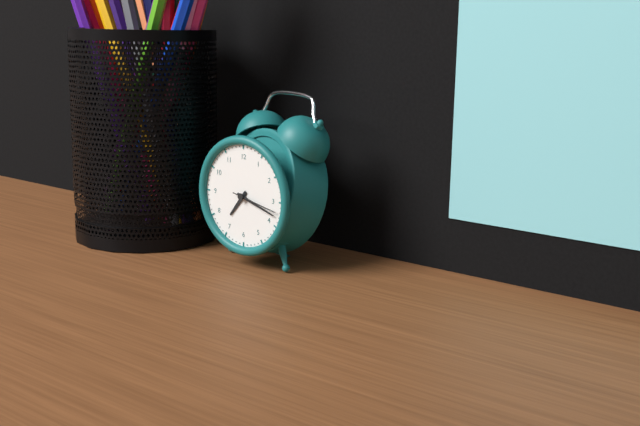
{"hour": 7, "minute": 18}
